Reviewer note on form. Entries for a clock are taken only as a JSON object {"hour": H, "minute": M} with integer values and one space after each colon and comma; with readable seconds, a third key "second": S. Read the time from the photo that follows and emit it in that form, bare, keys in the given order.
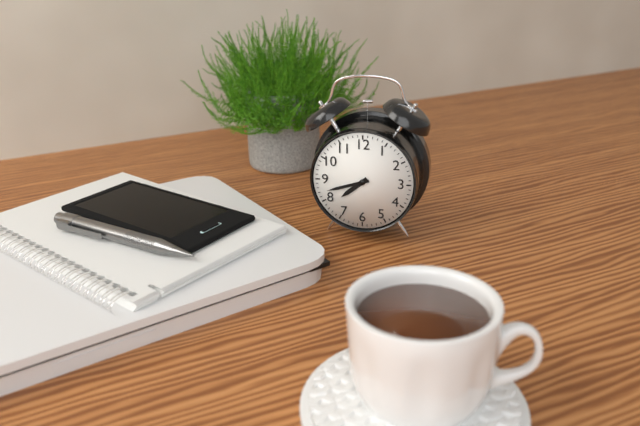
{"hour": 7, "minute": 42}
